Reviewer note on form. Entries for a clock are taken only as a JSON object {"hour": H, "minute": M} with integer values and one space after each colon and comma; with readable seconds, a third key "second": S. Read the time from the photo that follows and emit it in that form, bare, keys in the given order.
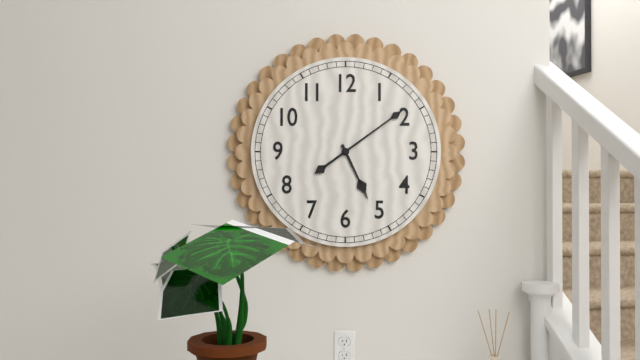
{"hour": 5, "minute": 9}
